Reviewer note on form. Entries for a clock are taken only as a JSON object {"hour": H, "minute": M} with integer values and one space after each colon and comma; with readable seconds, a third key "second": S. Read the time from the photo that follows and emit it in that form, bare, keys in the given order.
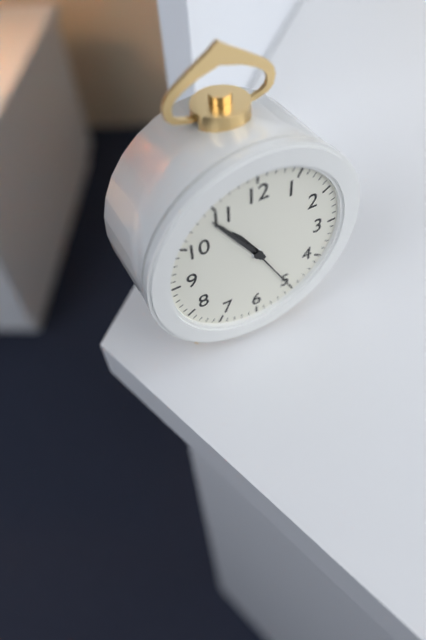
{"hour": 10, "minute": 54, "second": 25}
